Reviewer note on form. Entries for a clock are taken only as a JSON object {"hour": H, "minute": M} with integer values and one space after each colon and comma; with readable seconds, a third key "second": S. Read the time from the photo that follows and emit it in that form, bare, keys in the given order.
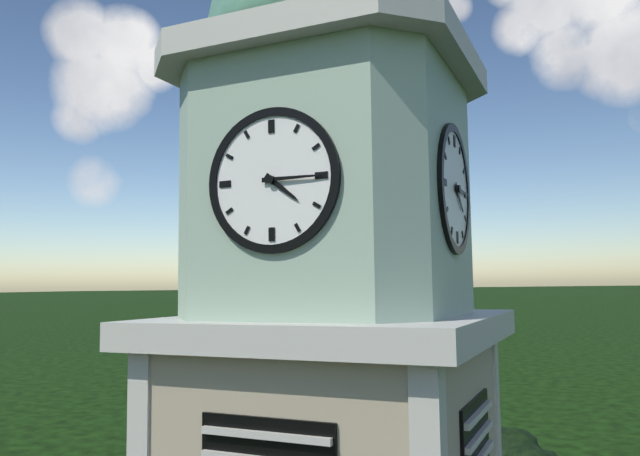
{"hour": 4, "minute": 15}
